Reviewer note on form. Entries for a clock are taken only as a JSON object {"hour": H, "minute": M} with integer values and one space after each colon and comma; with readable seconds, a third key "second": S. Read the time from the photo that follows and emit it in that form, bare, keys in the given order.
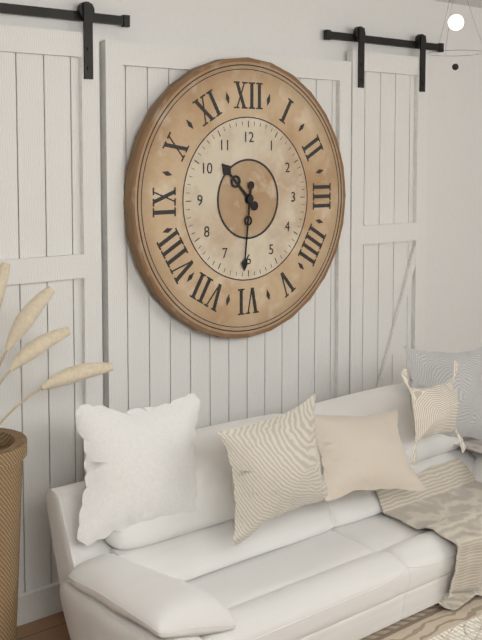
{"hour": 10, "minute": 31}
